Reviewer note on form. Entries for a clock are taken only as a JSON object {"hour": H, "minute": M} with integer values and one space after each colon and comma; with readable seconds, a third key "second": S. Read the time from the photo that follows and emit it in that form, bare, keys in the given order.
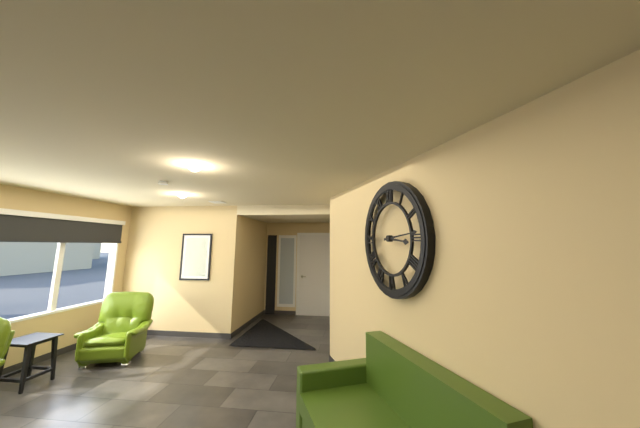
{"hour": 3, "minute": 14}
